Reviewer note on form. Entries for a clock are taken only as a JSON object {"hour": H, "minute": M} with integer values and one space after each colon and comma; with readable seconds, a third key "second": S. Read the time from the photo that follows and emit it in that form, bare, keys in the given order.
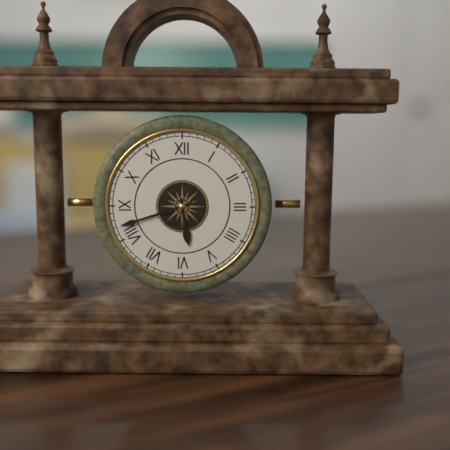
{"hour": 5, "minute": 42}
